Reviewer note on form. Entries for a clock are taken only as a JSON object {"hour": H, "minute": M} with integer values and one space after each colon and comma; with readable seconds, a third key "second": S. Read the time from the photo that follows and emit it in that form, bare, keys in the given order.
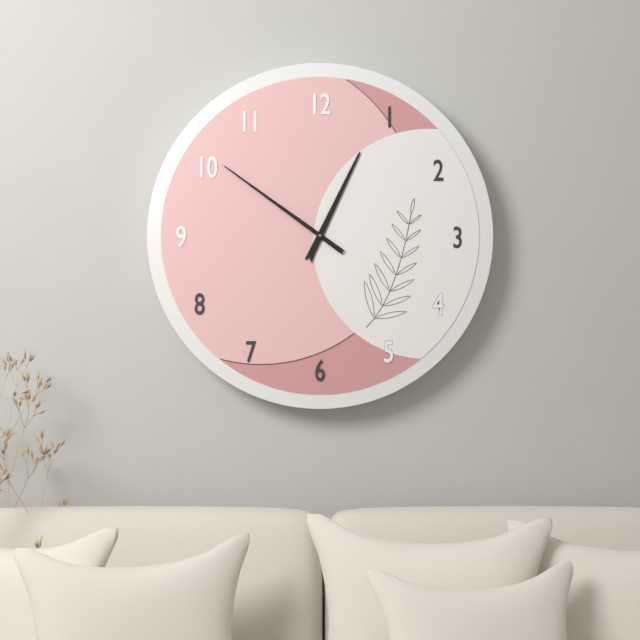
{"hour": 12, "minute": 51}
